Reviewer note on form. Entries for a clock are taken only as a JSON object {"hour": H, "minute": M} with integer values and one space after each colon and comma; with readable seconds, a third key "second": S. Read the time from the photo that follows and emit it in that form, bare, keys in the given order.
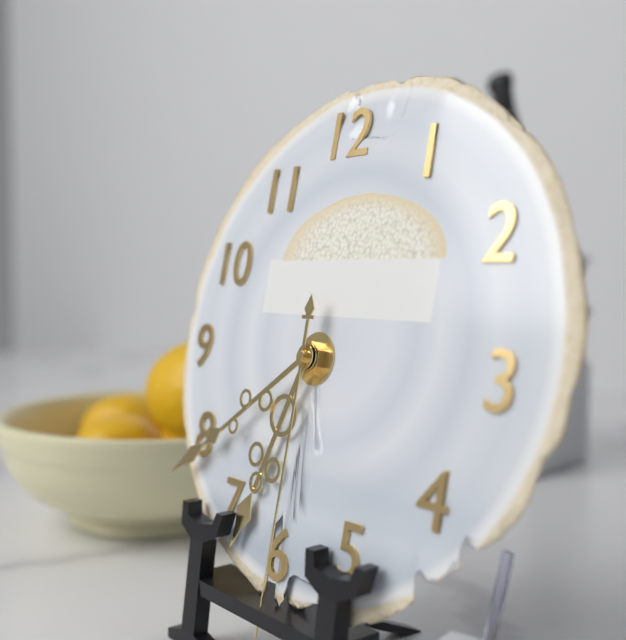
{"hour": 6, "minute": 39}
